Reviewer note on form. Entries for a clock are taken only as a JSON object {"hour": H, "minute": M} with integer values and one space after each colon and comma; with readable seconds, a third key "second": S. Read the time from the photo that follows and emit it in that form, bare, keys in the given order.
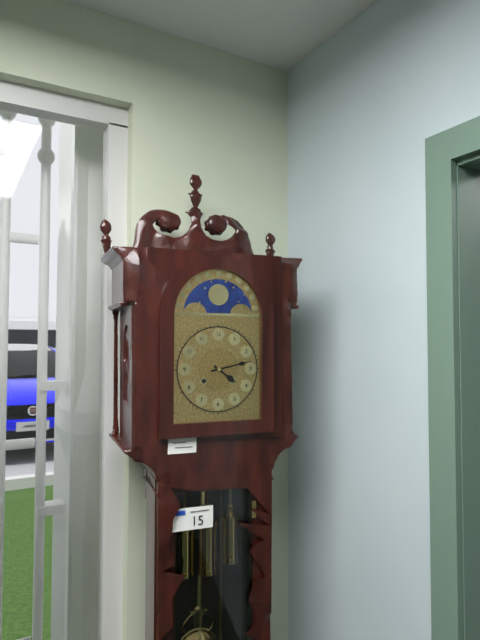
{"hour": 4, "minute": 13}
